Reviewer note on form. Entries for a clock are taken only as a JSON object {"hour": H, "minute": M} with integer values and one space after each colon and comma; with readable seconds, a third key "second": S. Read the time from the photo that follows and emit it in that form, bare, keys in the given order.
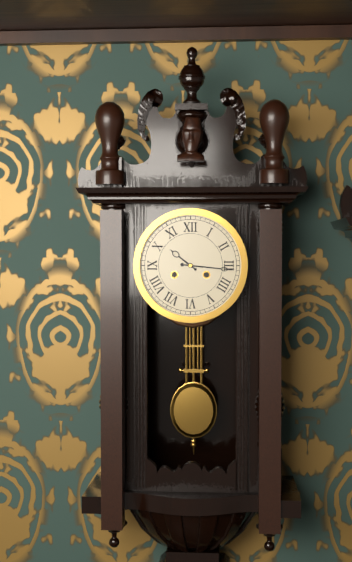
{"hour": 10, "minute": 16}
